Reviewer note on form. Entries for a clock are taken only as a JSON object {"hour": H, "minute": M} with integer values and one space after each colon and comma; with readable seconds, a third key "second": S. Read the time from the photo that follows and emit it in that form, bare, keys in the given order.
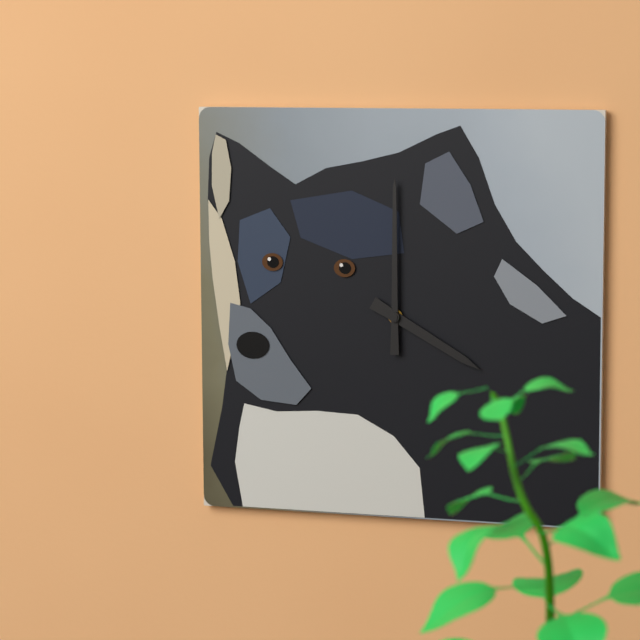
{"hour": 4, "minute": 0}
